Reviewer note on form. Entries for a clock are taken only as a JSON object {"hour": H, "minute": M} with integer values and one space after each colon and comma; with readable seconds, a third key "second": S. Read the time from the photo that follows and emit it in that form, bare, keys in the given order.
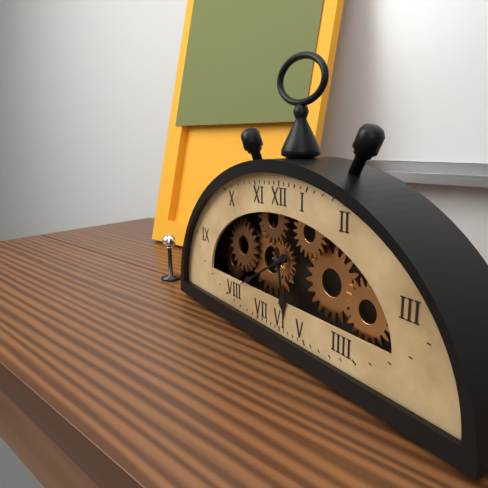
{"hour": 5, "minute": 40}
